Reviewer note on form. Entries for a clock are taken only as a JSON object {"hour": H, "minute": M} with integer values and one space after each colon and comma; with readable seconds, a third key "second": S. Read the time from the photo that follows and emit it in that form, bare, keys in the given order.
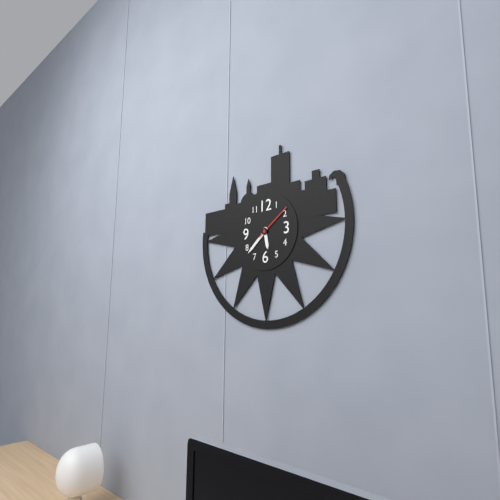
{"hour": 5, "minute": 38}
